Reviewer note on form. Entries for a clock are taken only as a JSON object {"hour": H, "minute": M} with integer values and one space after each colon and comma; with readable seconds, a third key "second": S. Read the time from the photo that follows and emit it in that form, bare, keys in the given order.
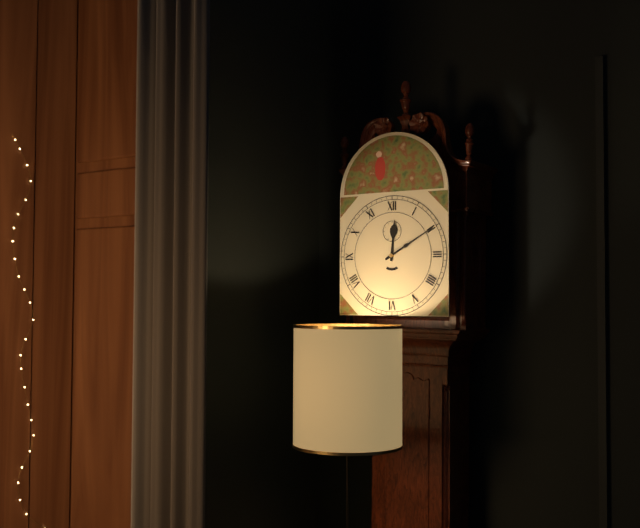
{"hour": 12, "minute": 10}
